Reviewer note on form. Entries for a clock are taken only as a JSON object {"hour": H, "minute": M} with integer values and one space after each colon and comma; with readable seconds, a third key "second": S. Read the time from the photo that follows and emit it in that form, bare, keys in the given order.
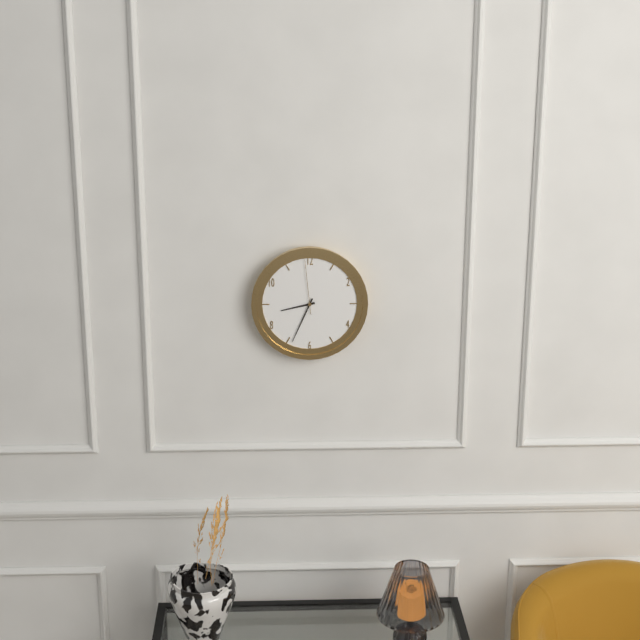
{"hour": 8, "minute": 34, "second": 59}
